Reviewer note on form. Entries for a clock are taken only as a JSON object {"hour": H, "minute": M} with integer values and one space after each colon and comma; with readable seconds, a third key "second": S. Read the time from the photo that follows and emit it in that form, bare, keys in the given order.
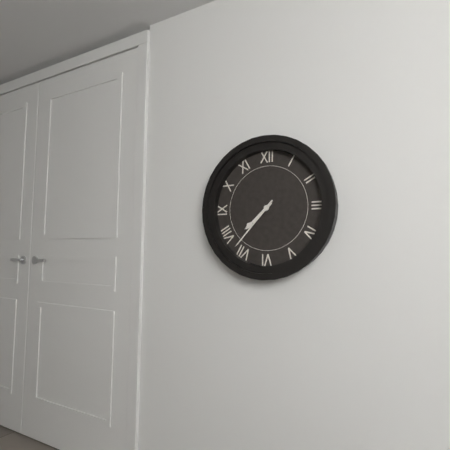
{"hour": 7, "minute": 37}
